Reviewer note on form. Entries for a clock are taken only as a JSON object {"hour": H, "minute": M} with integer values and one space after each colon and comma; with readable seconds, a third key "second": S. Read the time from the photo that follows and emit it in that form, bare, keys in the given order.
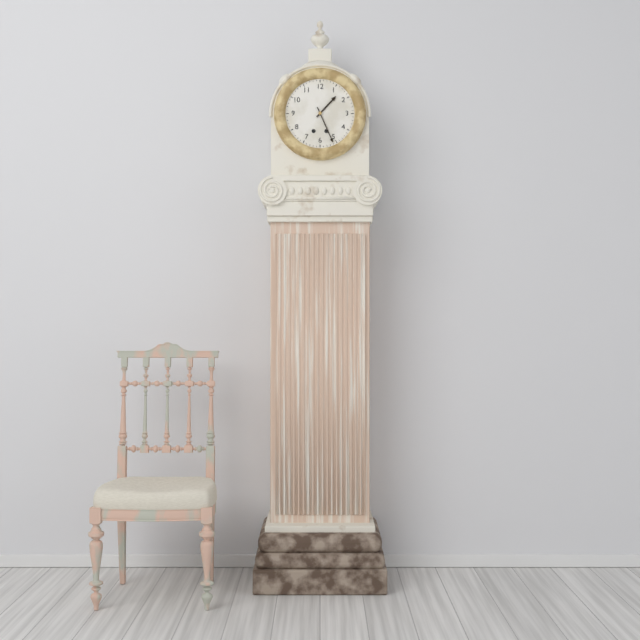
{"hour": 1, "minute": 26}
